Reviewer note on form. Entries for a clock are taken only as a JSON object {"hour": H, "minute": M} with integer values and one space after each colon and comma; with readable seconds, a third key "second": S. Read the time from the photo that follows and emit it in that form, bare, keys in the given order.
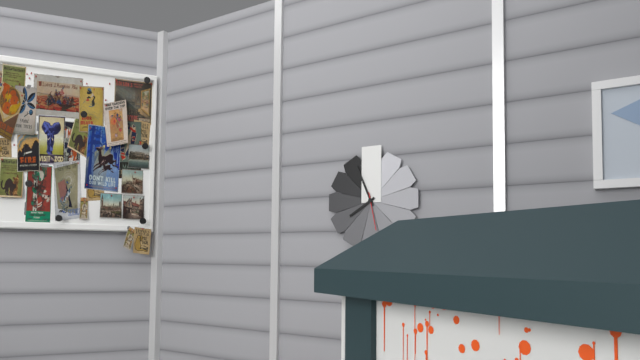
{"hour": 7, "minute": 56}
